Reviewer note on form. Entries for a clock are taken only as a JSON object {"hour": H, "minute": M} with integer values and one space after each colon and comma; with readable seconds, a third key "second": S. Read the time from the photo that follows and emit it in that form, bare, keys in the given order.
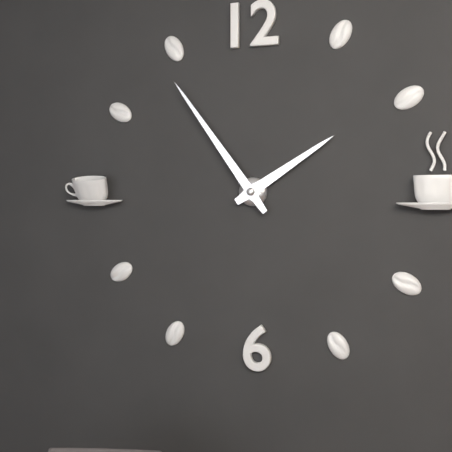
{"hour": 1, "minute": 54}
